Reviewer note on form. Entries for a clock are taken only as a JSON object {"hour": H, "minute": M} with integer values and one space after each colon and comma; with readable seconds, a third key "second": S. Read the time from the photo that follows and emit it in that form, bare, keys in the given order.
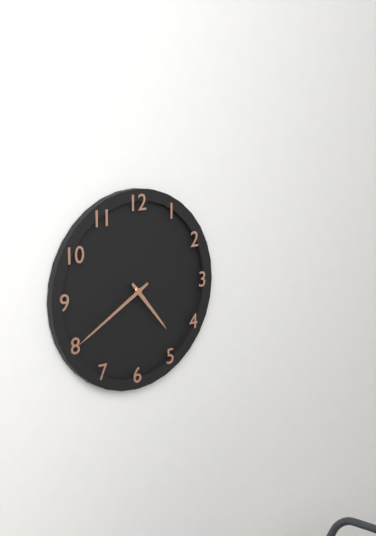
{"hour": 4, "minute": 40}
